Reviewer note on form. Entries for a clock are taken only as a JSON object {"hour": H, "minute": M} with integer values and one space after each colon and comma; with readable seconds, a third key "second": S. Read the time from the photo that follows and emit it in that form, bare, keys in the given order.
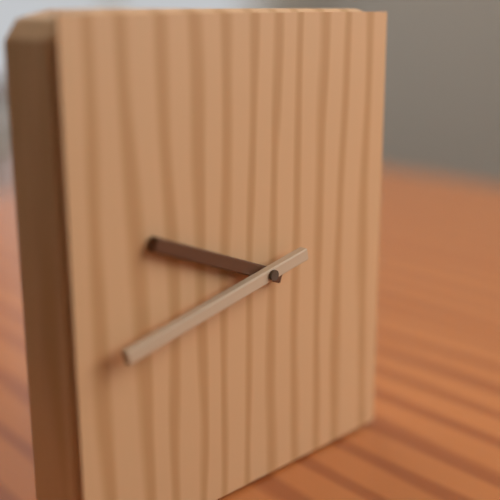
{"hour": 9, "minute": 43}
